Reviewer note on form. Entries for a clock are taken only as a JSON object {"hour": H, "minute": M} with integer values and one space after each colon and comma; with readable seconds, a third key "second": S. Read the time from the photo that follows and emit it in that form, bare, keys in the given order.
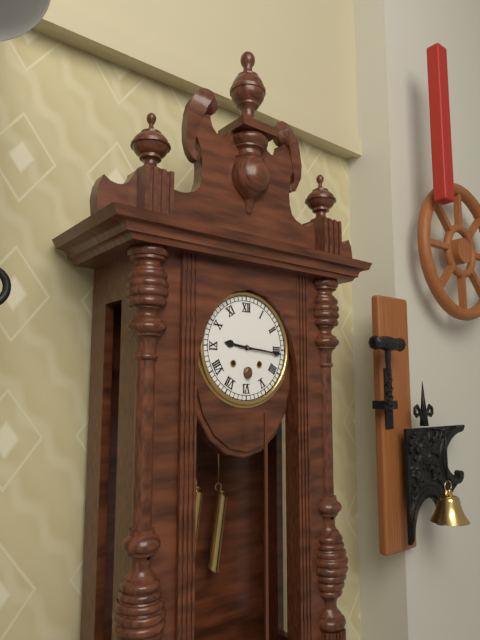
{"hour": 9, "minute": 16}
